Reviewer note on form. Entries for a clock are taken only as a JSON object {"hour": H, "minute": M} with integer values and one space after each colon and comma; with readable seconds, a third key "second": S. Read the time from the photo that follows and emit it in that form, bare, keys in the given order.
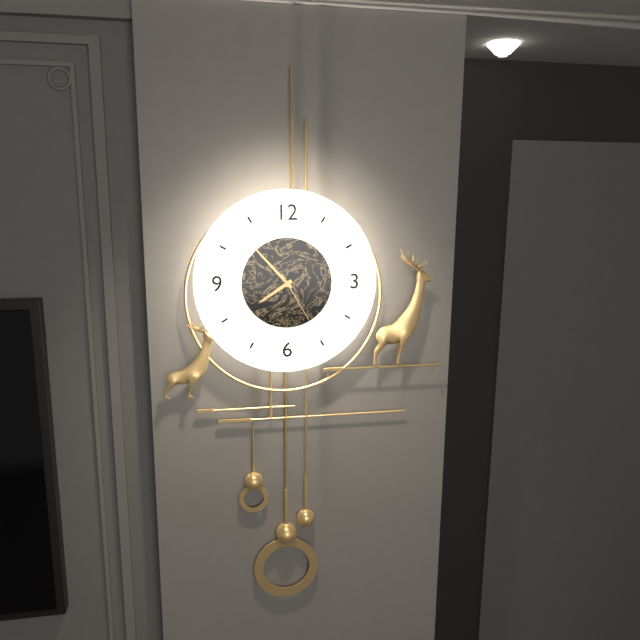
{"hour": 7, "minute": 53, "second": 25}
